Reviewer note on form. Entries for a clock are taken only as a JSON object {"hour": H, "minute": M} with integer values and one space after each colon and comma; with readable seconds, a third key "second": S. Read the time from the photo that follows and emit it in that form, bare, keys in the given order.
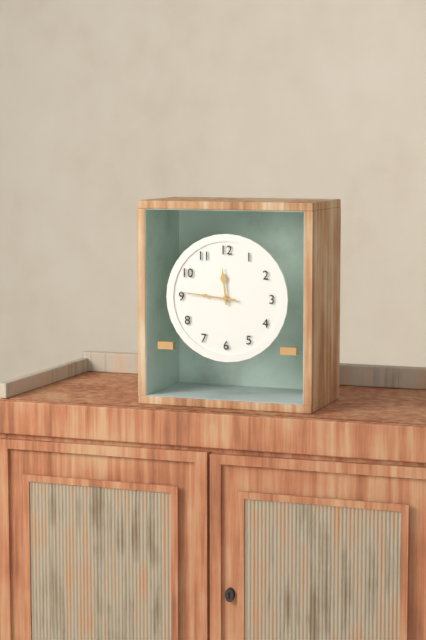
{"hour": 11, "minute": 46}
